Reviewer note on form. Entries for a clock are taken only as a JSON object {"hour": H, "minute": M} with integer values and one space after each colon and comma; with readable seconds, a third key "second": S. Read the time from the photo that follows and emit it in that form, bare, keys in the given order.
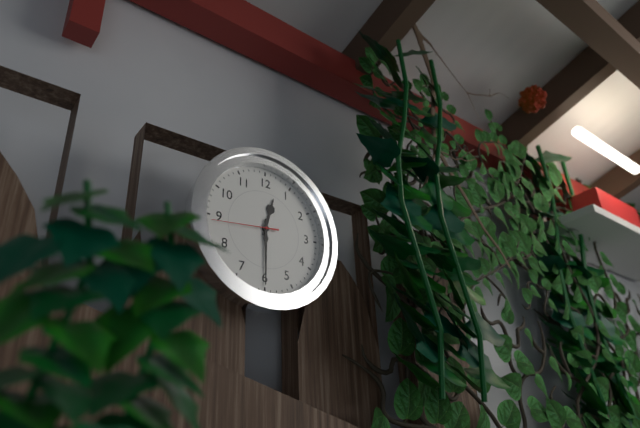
{"hour": 12, "minute": 30, "second": 44}
